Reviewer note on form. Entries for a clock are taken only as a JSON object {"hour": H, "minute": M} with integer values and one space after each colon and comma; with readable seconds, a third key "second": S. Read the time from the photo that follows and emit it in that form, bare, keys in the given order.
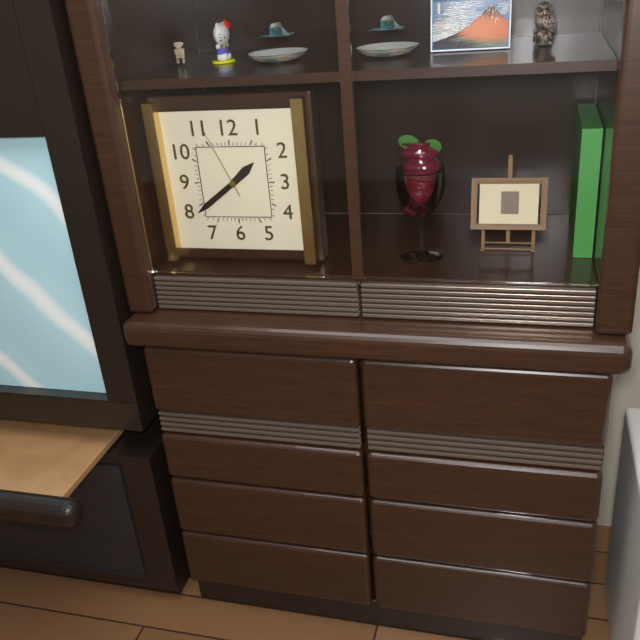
{"hour": 1, "minute": 39, "second": 56}
